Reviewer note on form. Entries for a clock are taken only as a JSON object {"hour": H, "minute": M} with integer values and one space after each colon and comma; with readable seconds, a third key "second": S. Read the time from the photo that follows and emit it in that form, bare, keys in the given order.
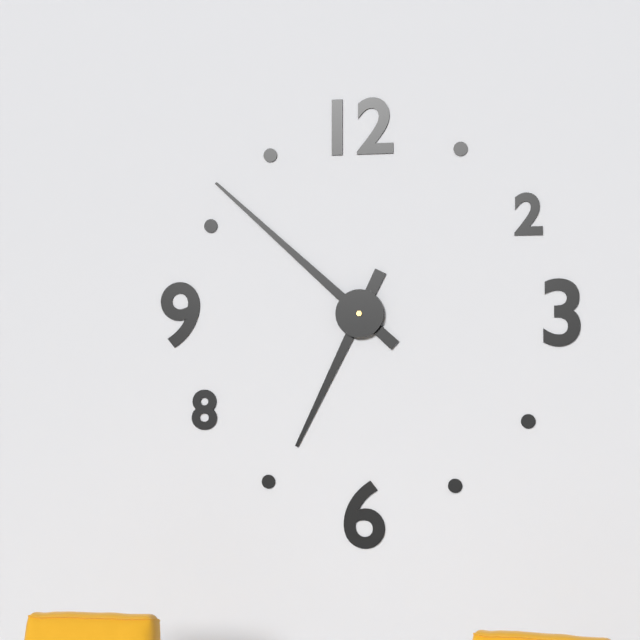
{"hour": 6, "minute": 52}
